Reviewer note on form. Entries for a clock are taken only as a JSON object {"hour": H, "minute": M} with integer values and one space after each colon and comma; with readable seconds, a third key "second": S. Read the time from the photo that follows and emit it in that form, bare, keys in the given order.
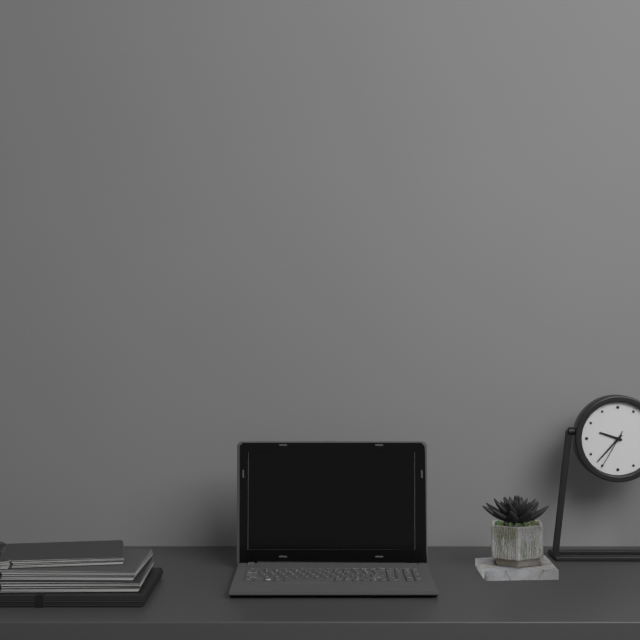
{"hour": 9, "minute": 37}
